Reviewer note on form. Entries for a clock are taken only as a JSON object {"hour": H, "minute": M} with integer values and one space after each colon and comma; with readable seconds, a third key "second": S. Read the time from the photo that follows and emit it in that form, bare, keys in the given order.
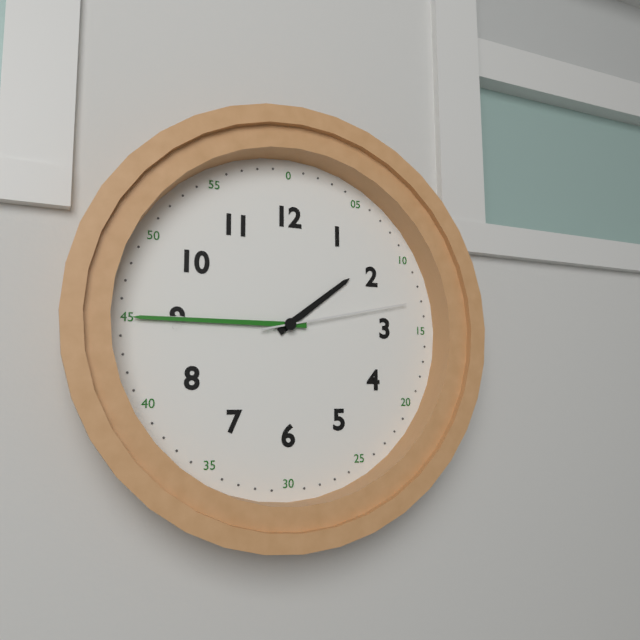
{"hour": 1, "minute": 45, "second": 13}
